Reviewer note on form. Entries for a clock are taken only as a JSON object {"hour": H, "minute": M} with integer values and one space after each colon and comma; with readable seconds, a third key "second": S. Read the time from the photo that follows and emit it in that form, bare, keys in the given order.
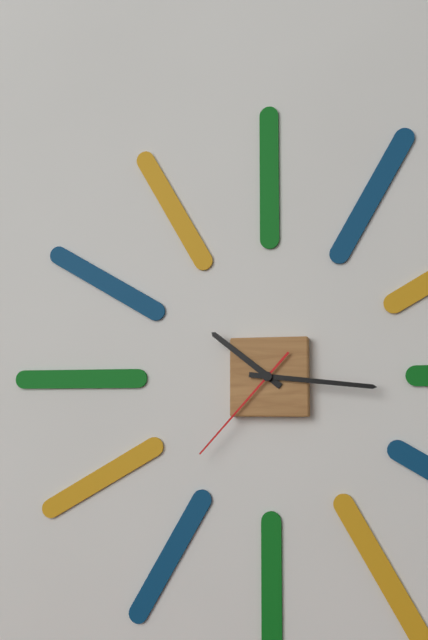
{"hour": 10, "minute": 16, "second": 37}
